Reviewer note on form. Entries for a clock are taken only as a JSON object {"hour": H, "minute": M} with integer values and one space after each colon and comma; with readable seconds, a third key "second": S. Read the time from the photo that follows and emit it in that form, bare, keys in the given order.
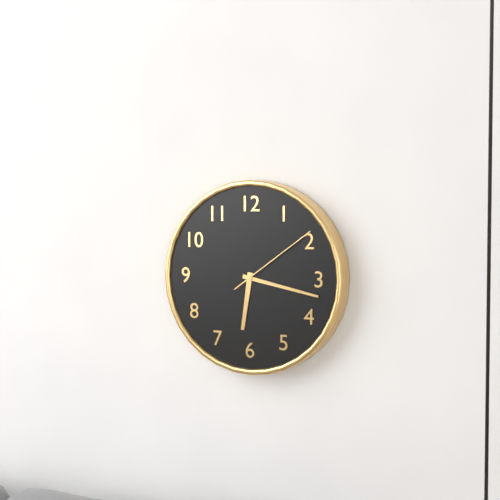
{"hour": 6, "minute": 17, "second": 9}
